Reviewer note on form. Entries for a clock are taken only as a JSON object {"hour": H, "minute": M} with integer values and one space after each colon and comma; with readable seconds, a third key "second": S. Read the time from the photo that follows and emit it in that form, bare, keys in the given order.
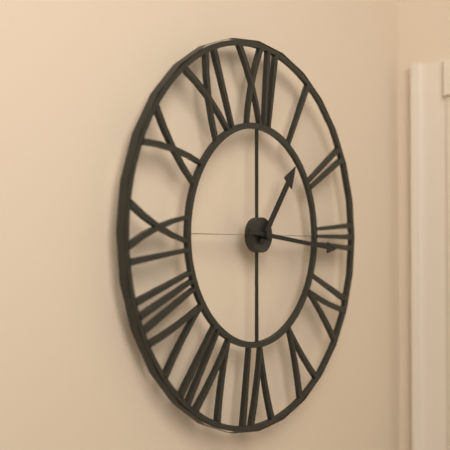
{"hour": 1, "minute": 16}
